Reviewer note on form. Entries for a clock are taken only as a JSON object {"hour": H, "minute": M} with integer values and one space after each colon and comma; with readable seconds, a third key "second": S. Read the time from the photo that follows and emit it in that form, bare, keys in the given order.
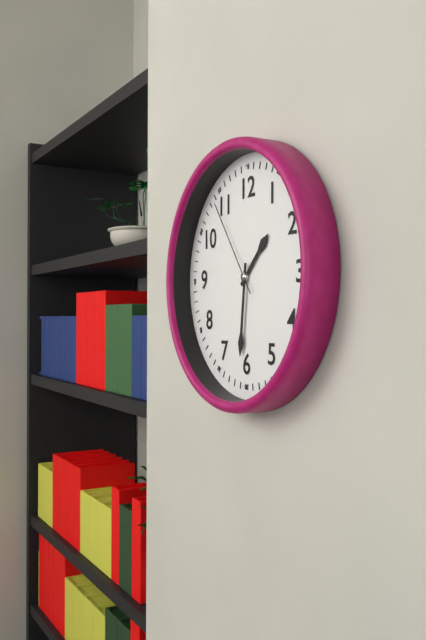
{"hour": 1, "minute": 31, "second": 54}
